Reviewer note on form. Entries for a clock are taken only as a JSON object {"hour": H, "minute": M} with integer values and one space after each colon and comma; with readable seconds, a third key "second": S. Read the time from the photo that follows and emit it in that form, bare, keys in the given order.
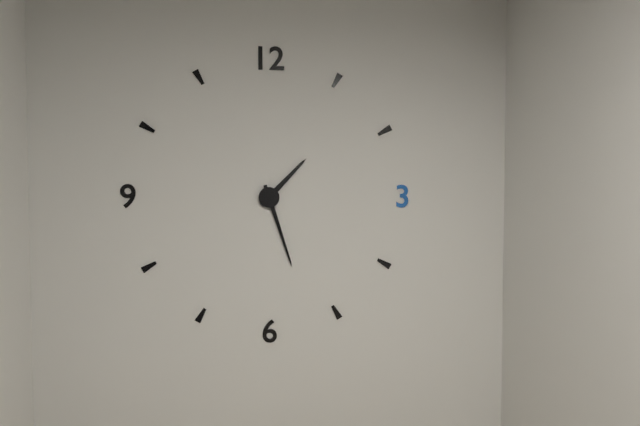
{"hour": 1, "minute": 27}
